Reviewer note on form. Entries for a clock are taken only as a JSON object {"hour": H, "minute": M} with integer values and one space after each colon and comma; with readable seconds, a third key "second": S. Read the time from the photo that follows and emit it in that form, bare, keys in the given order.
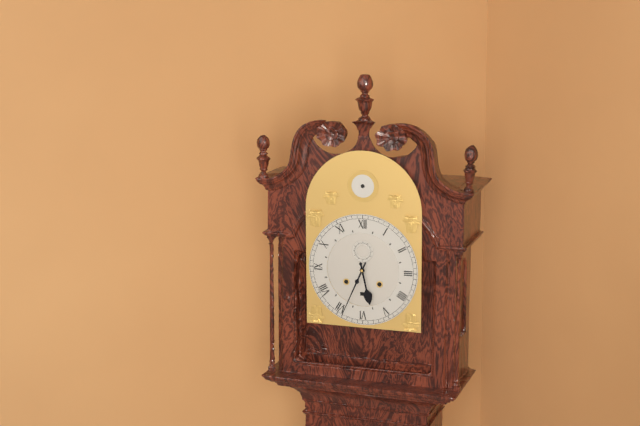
{"hour": 5, "minute": 34}
